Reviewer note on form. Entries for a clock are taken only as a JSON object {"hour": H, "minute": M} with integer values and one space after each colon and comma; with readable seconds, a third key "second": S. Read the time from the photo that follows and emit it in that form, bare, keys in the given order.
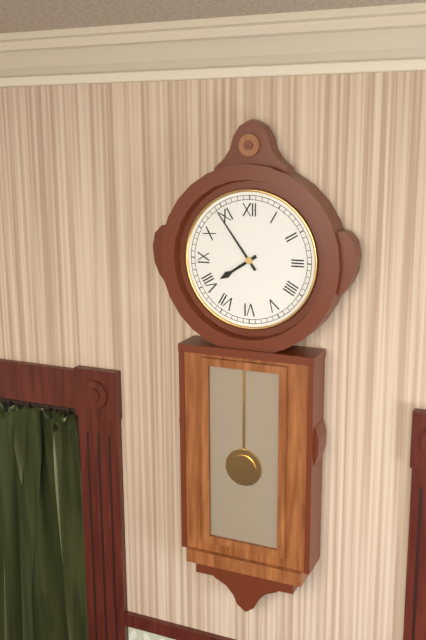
{"hour": 7, "minute": 54}
